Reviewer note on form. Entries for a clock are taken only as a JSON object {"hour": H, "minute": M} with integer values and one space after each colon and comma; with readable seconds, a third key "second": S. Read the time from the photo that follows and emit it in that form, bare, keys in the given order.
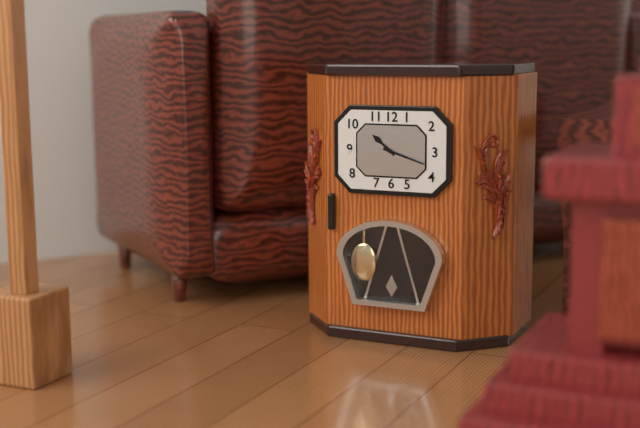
{"hour": 10, "minute": 18}
